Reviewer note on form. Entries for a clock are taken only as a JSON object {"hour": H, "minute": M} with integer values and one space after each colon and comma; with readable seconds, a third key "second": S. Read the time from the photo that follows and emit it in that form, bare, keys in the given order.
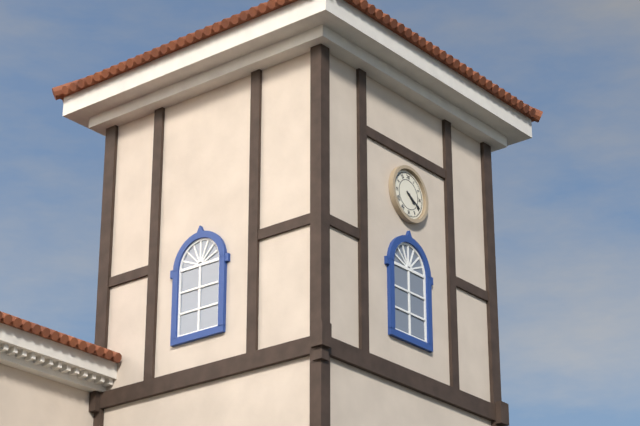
{"hour": 4, "minute": 20}
